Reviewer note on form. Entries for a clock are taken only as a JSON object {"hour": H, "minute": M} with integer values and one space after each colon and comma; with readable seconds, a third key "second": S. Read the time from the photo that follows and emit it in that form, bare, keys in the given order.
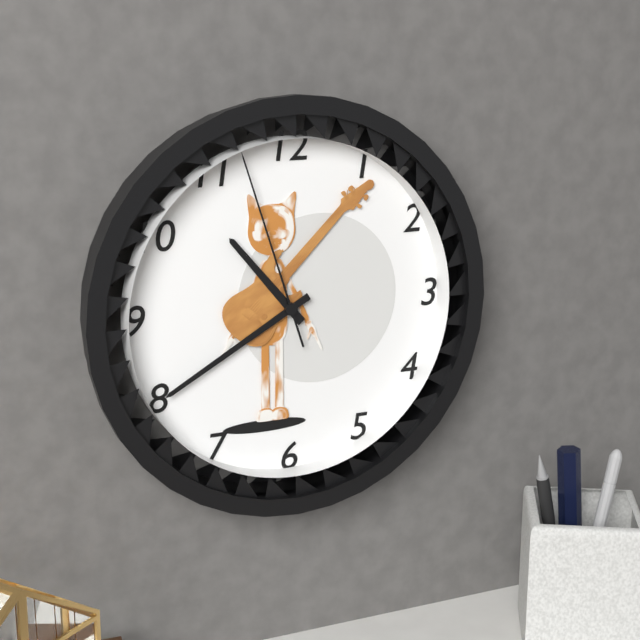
{"hour": 10, "minute": 40, "second": 57}
